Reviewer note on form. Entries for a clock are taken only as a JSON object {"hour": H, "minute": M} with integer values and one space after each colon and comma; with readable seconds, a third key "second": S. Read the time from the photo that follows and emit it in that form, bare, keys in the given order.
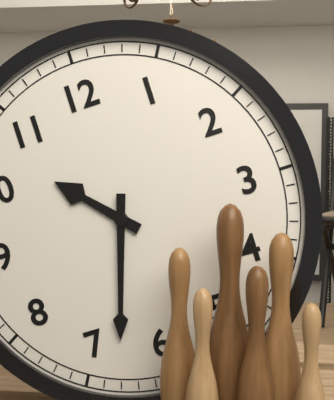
{"hour": 10, "minute": 33}
